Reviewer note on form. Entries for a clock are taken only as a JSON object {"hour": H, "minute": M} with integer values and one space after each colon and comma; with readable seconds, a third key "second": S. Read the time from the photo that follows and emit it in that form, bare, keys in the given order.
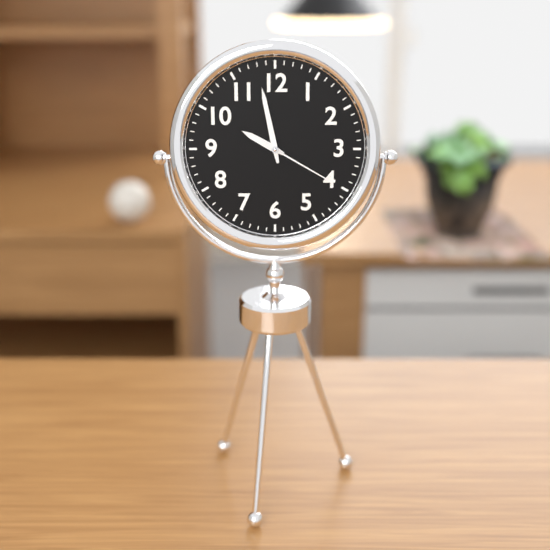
{"hour": 9, "minute": 58, "second": 20}
